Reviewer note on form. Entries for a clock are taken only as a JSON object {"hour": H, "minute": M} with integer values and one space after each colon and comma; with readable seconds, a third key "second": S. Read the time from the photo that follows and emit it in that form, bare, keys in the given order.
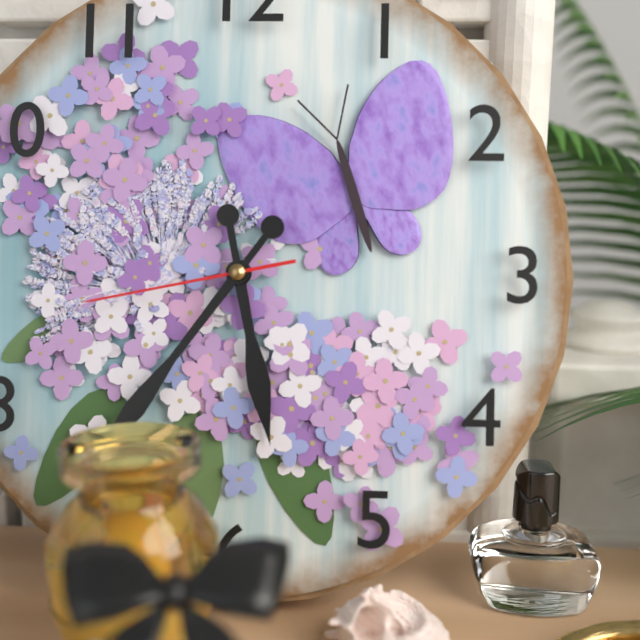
{"hour": 5, "minute": 36, "second": 43}
